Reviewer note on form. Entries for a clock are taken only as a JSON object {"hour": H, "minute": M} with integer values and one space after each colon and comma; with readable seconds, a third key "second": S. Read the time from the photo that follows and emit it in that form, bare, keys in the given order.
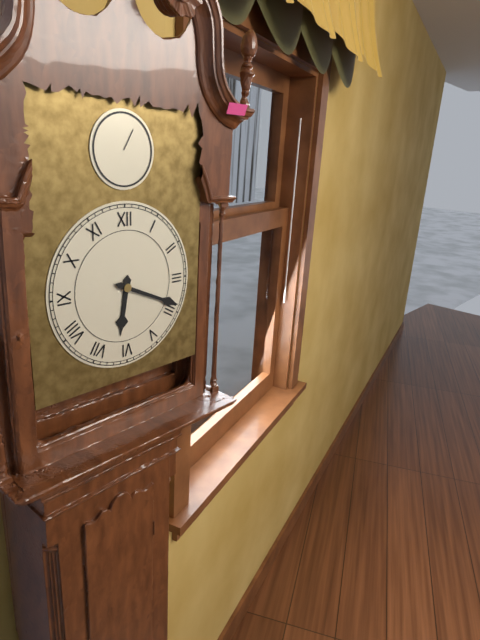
{"hour": 6, "minute": 19}
